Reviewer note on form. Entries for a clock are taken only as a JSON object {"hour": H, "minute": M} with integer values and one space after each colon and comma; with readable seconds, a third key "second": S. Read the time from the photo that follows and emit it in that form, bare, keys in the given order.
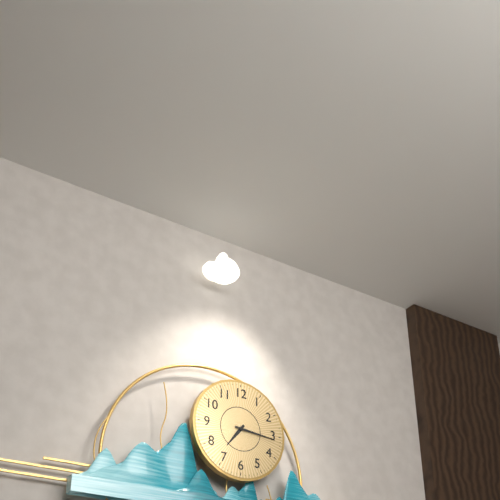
{"hour": 7, "minute": 16}
